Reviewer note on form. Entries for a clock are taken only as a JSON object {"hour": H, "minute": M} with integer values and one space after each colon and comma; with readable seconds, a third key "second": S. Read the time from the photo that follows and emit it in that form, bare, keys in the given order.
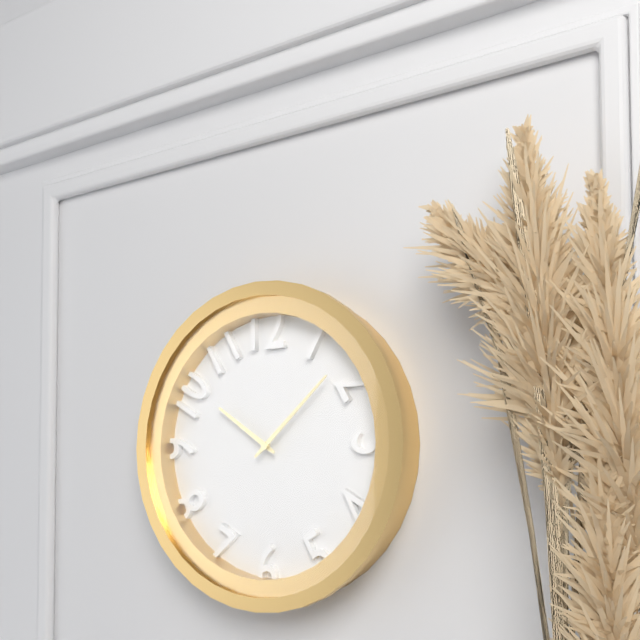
{"hour": 10, "minute": 8}
